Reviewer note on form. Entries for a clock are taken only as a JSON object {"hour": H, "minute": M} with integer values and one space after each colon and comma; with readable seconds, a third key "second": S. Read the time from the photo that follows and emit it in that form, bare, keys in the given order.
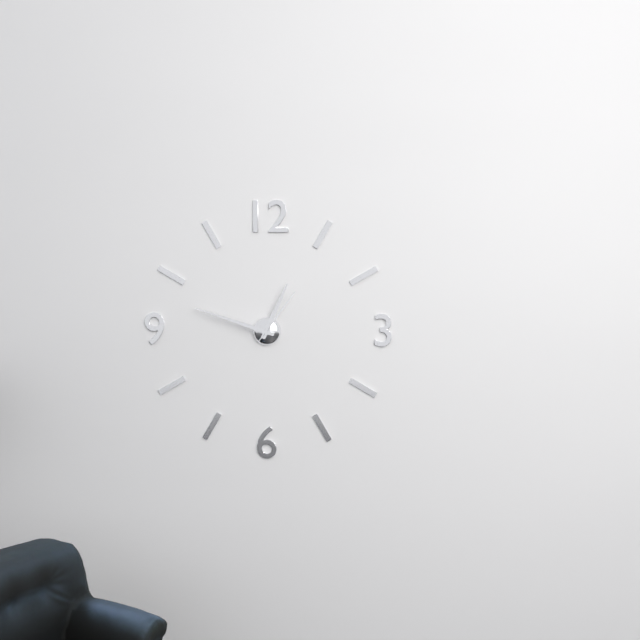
{"hour": 12, "minute": 48, "second": 6}
